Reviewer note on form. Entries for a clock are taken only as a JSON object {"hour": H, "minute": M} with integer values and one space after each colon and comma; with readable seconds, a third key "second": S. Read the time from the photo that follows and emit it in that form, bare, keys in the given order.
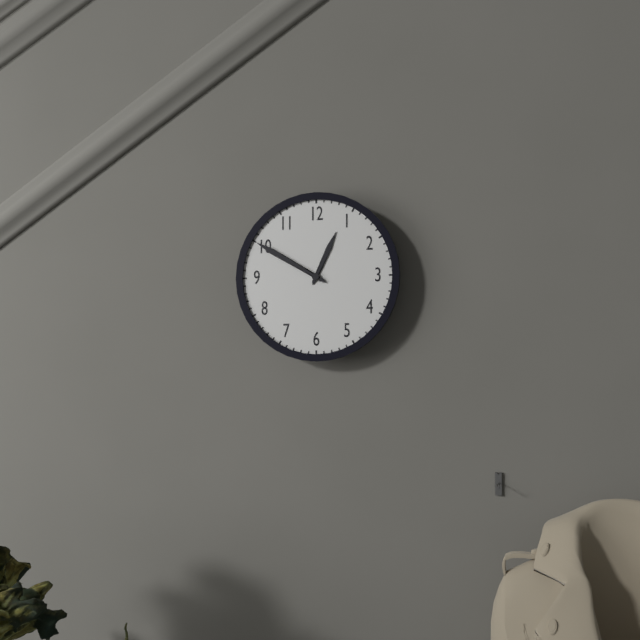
{"hour": 12, "minute": 50}
